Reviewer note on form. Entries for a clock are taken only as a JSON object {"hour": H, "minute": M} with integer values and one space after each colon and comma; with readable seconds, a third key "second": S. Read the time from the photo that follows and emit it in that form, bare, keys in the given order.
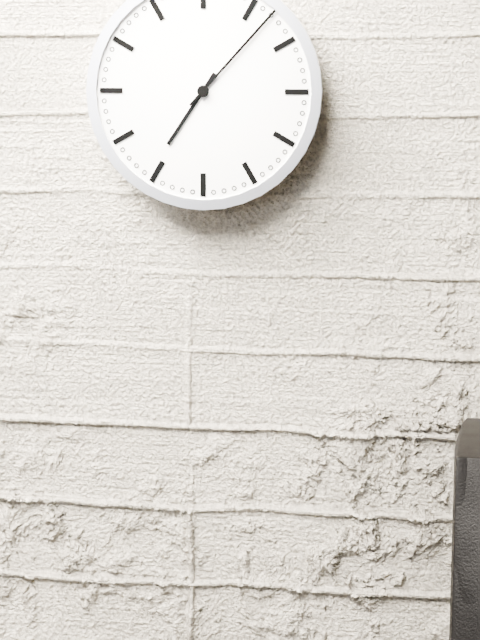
{"hour": 7, "minute": 7}
